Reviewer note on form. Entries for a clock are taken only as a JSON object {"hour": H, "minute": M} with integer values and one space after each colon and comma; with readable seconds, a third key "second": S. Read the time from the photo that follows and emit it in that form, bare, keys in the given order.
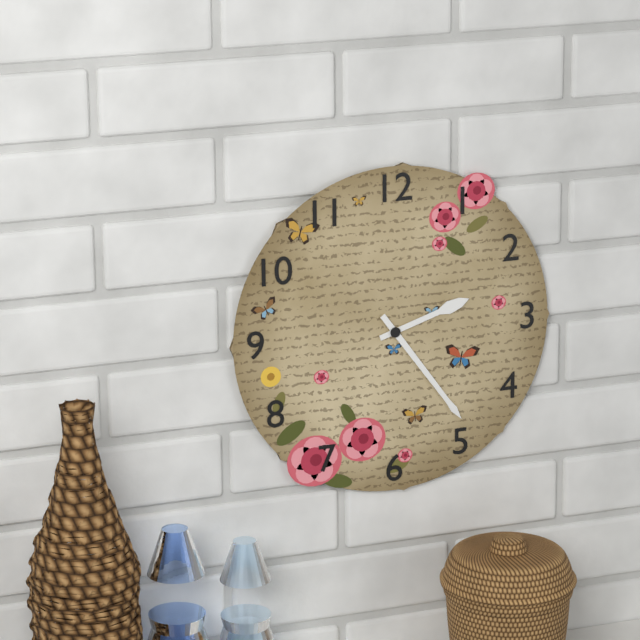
{"hour": 2, "minute": 24}
